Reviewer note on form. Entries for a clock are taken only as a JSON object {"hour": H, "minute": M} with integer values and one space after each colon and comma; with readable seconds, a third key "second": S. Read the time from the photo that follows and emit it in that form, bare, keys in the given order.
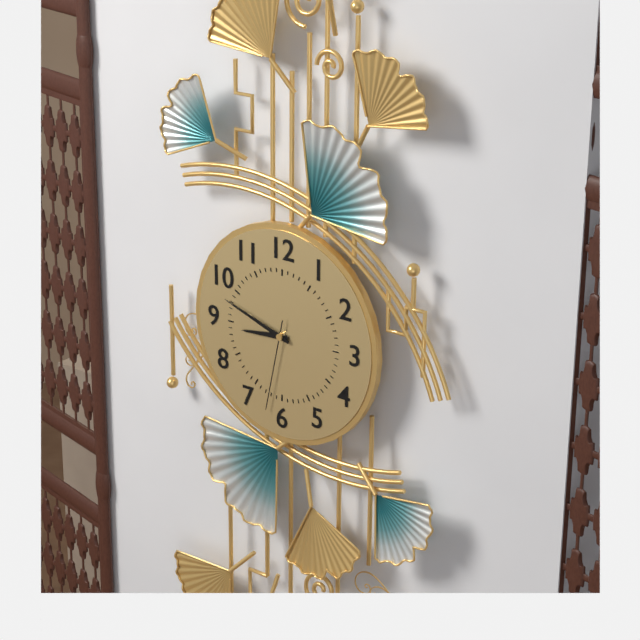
{"hour": 8, "minute": 48, "second": 32}
